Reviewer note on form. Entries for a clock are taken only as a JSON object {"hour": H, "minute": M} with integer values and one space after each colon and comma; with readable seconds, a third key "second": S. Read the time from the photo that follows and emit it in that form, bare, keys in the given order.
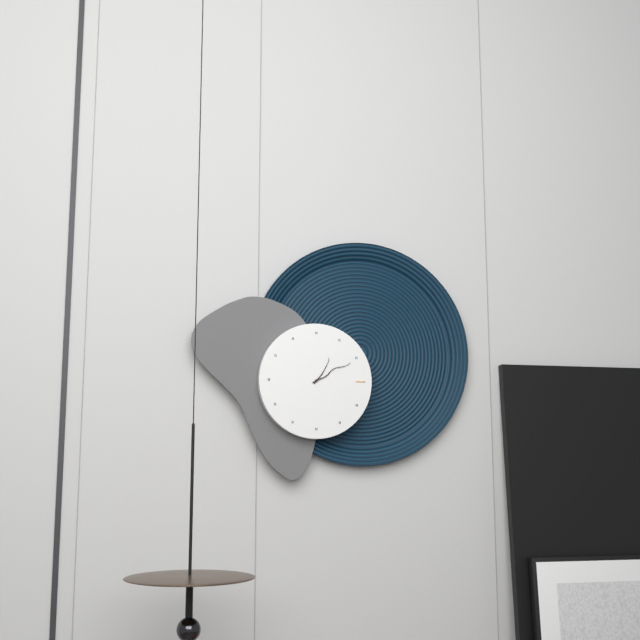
{"hour": 1, "minute": 10}
